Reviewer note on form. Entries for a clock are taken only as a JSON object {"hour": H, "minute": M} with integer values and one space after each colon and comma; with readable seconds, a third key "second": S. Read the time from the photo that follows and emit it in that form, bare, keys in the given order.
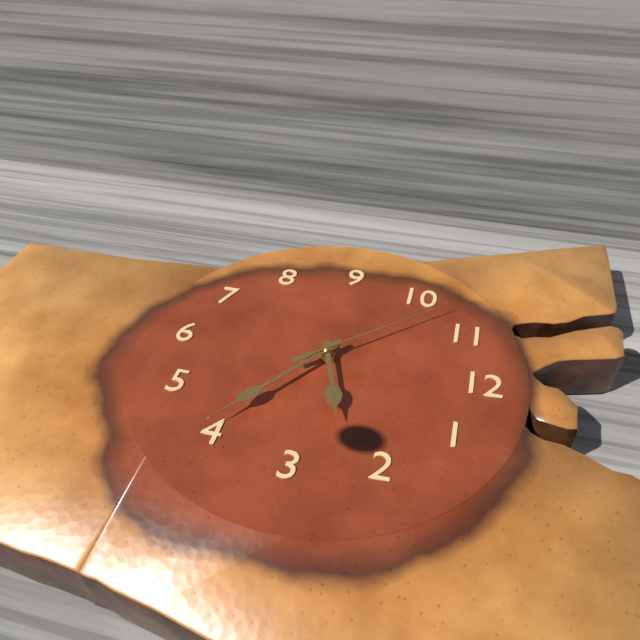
{"hour": 2, "minute": 21, "second": 53}
